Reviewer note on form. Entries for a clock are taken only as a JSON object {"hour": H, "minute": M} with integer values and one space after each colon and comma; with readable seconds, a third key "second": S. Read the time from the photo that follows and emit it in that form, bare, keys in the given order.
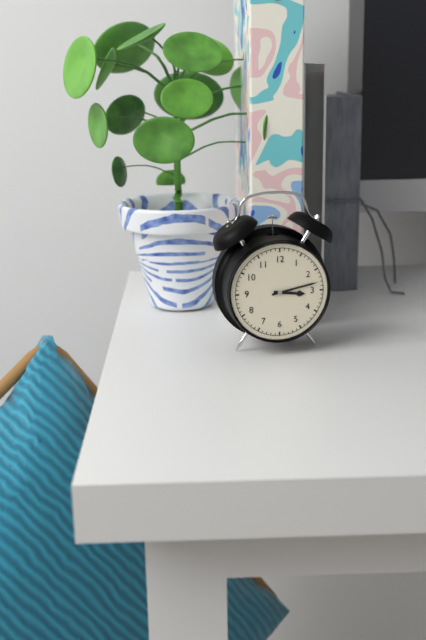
{"hour": 3, "minute": 13}
